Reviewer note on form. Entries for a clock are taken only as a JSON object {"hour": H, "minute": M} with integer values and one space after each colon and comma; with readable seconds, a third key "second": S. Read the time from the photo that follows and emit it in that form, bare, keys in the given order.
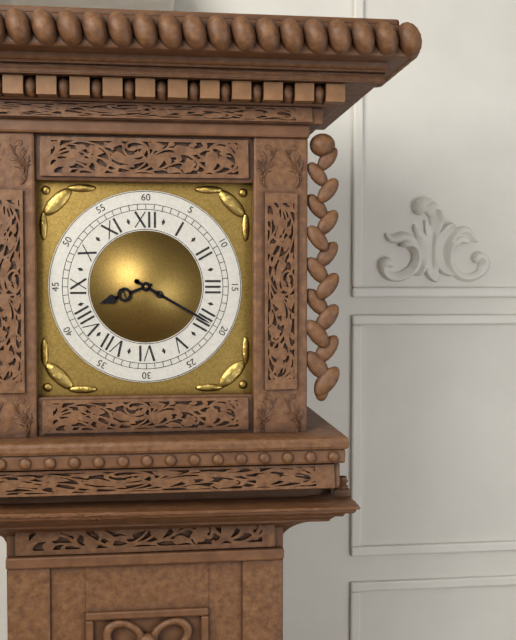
{"hour": 8, "minute": 20}
